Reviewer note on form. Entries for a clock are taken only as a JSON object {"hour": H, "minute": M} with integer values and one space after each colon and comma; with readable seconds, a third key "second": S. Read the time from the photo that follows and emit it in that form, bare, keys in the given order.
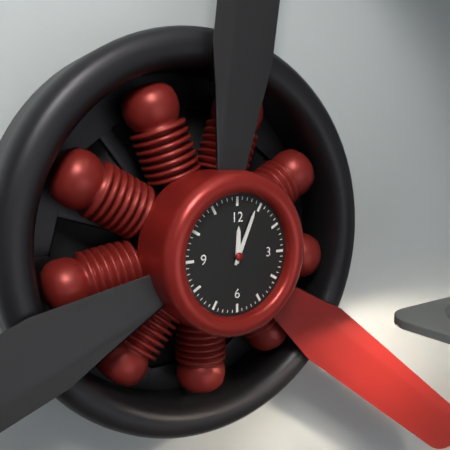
{"hour": 12, "minute": 4}
